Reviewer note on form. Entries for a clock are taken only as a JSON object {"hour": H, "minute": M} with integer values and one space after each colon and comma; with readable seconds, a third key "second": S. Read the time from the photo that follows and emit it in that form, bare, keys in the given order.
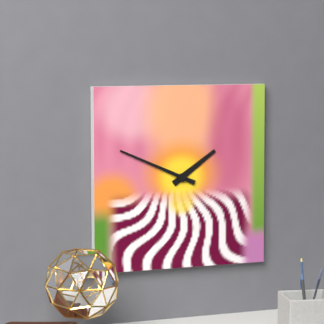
{"hour": 1, "minute": 49}
